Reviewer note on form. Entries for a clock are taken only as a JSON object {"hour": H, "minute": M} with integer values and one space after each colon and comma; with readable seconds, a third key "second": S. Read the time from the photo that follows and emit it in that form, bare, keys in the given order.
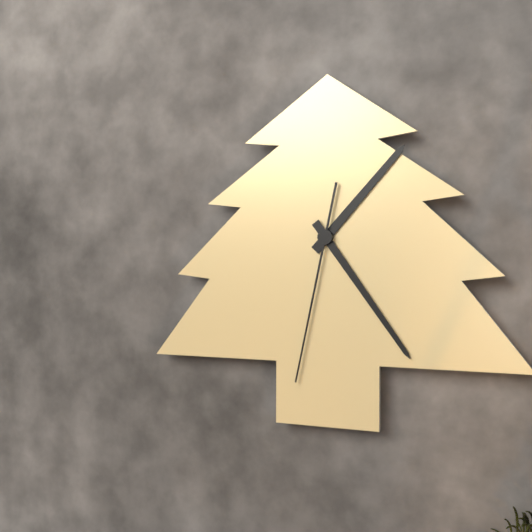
{"hour": 1, "minute": 24, "second": 32}
